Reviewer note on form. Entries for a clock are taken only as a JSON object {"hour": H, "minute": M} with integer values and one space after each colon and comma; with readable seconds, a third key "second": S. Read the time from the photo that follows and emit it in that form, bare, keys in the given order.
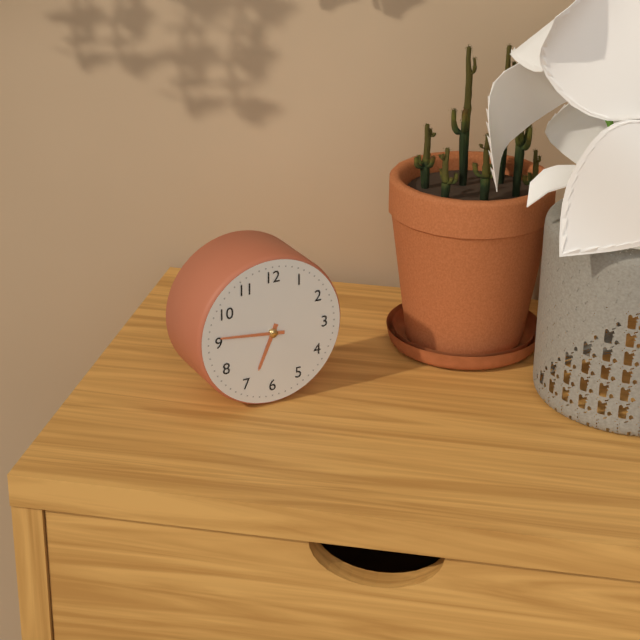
{"hour": 6, "minute": 46}
